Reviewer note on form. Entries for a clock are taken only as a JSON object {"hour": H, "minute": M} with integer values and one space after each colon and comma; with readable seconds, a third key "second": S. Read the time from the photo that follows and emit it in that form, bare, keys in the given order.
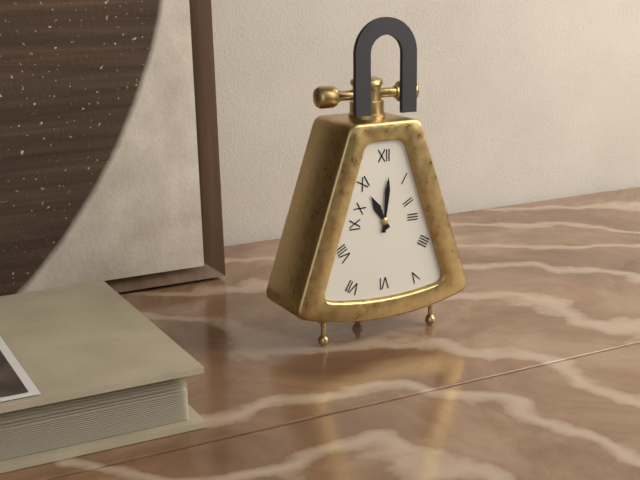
{"hour": 11, "minute": 1}
